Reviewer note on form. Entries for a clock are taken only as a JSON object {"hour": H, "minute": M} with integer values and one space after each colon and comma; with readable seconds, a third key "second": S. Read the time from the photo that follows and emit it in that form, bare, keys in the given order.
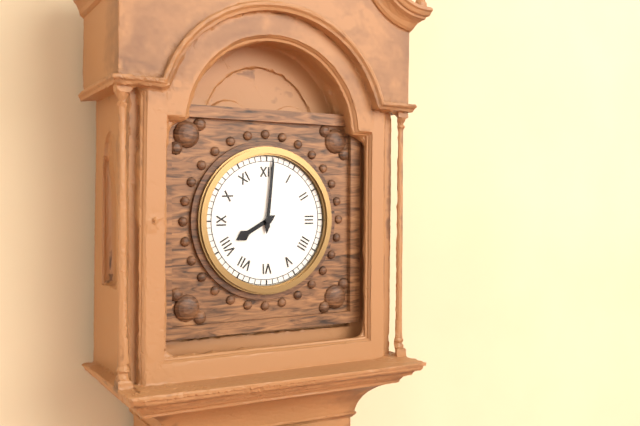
{"hour": 8, "minute": 1}
